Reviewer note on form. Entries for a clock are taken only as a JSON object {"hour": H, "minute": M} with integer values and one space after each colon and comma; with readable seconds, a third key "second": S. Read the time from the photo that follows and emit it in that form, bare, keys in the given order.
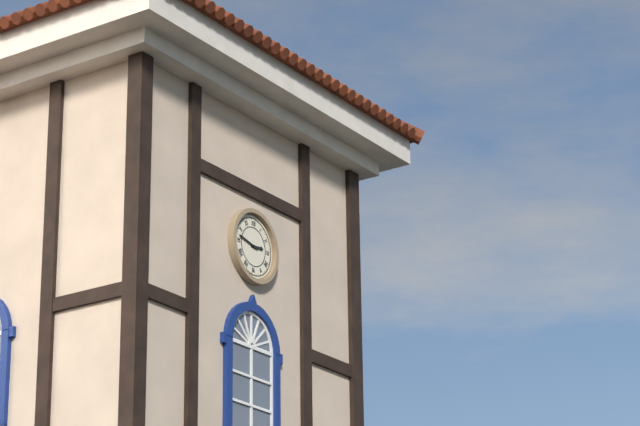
{"hour": 2, "minute": 47}
